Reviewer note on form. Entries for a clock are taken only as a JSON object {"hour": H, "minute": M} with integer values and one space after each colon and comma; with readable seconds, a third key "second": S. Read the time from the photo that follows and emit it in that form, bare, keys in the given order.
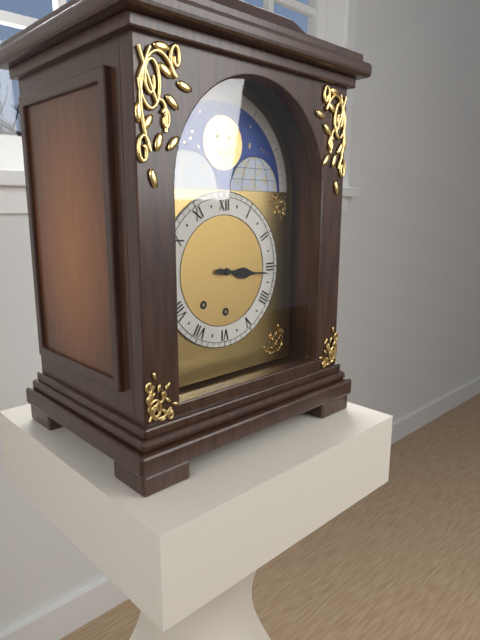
{"hour": 3, "minute": 16}
